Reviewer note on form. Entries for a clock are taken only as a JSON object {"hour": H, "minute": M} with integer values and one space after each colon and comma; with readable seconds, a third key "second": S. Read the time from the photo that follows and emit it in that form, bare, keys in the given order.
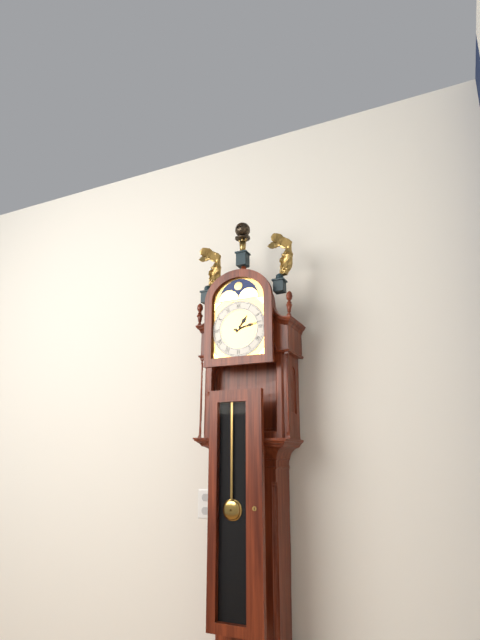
{"hour": 1, "minute": 13}
